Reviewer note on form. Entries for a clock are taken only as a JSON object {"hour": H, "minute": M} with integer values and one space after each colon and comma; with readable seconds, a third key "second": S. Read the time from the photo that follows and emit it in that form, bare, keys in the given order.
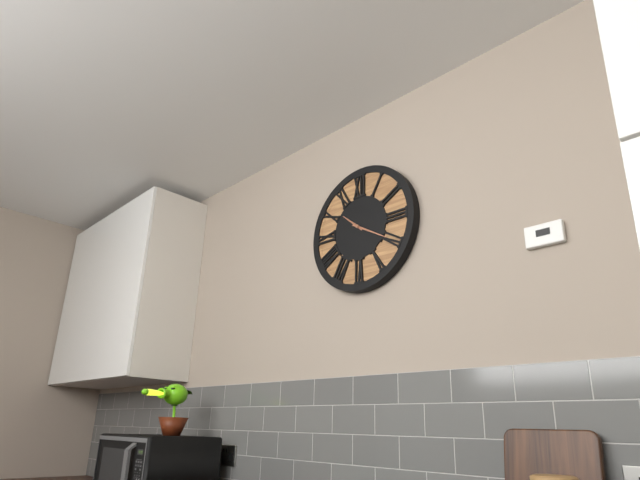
{"hour": 10, "minute": 20}
